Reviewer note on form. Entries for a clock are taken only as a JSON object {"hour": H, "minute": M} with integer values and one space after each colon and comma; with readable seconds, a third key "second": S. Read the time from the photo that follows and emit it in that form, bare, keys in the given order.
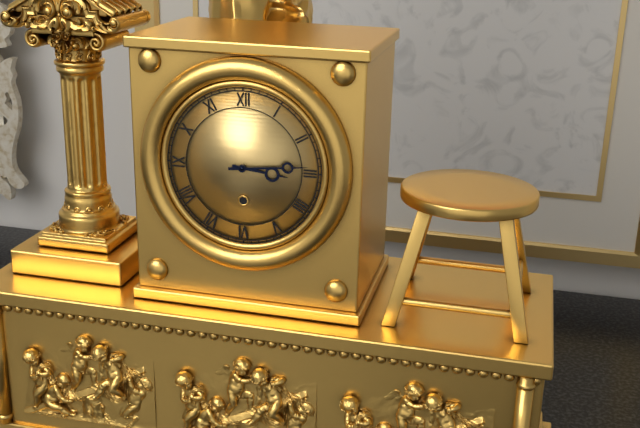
{"hour": 3, "minute": 14}
